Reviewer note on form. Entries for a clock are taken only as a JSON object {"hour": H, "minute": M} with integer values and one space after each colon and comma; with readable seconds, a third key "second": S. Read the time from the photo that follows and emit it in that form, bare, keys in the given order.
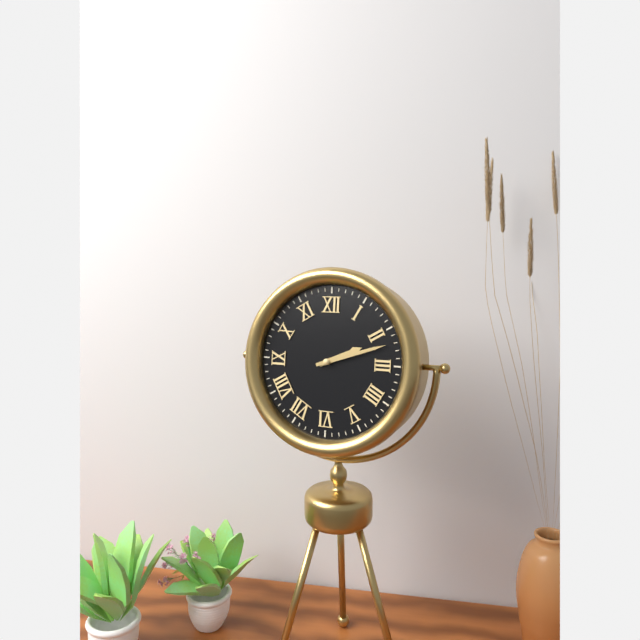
{"hour": 2, "minute": 12}
